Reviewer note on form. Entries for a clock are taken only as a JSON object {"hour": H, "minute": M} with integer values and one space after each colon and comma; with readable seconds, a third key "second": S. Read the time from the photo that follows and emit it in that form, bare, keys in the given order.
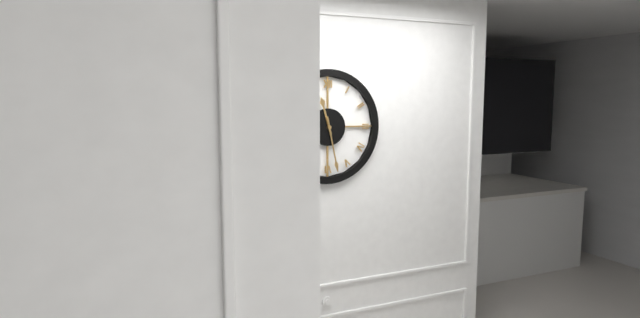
{"hour": 11, "minute": 28}
